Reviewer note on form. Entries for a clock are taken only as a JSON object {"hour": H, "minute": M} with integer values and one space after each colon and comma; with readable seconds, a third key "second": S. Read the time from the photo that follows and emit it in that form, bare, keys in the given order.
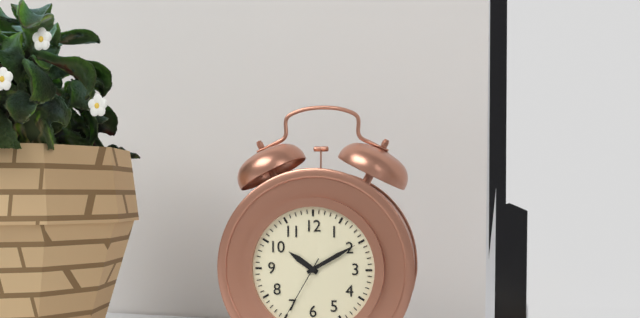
{"hour": 10, "minute": 10, "second": 35}
